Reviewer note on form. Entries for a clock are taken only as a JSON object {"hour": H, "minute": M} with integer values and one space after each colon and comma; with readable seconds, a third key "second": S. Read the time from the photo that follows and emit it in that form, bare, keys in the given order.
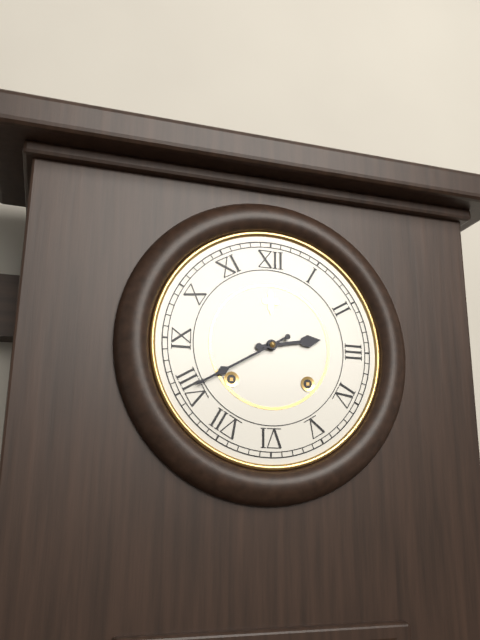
{"hour": 2, "minute": 40}
